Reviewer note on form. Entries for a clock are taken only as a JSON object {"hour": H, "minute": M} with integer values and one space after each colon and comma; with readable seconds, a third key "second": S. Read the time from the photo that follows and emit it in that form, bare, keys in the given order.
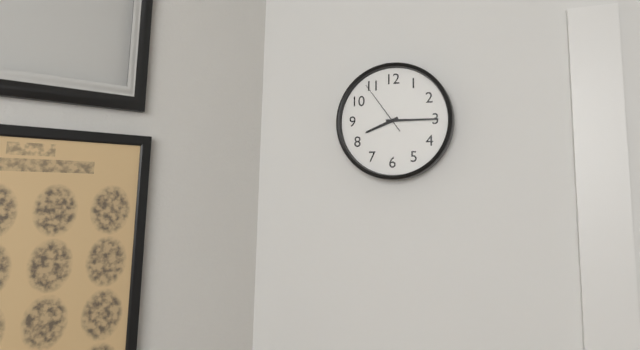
{"hour": 8, "minute": 15, "second": 54}
